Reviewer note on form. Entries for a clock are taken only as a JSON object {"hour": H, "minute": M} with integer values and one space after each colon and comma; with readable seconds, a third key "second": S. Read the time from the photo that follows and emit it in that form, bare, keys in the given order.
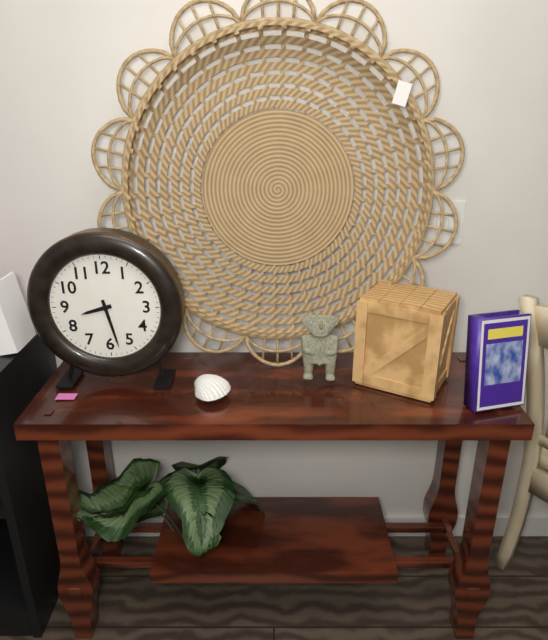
{"hour": 8, "minute": 28}
